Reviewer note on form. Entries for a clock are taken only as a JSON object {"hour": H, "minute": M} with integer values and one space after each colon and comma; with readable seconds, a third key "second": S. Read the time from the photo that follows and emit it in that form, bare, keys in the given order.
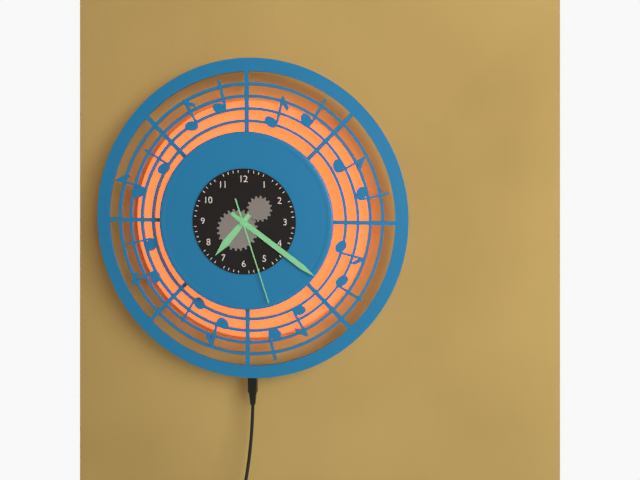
{"hour": 7, "minute": 21, "second": 27}
